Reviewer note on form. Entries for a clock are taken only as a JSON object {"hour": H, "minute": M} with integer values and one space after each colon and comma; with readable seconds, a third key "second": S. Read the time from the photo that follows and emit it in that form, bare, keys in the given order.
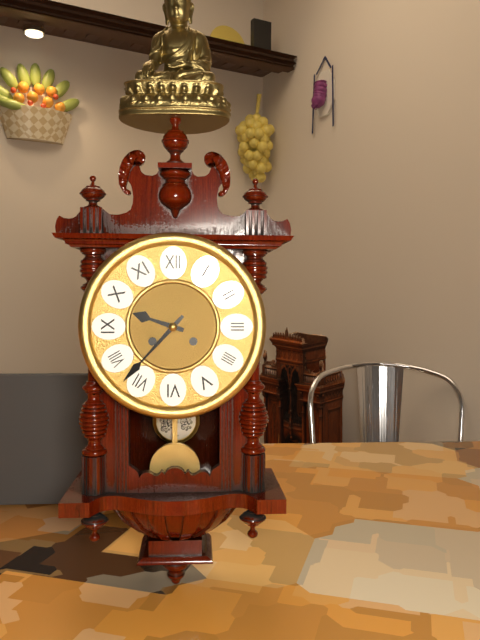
{"hour": 9, "minute": 37}
